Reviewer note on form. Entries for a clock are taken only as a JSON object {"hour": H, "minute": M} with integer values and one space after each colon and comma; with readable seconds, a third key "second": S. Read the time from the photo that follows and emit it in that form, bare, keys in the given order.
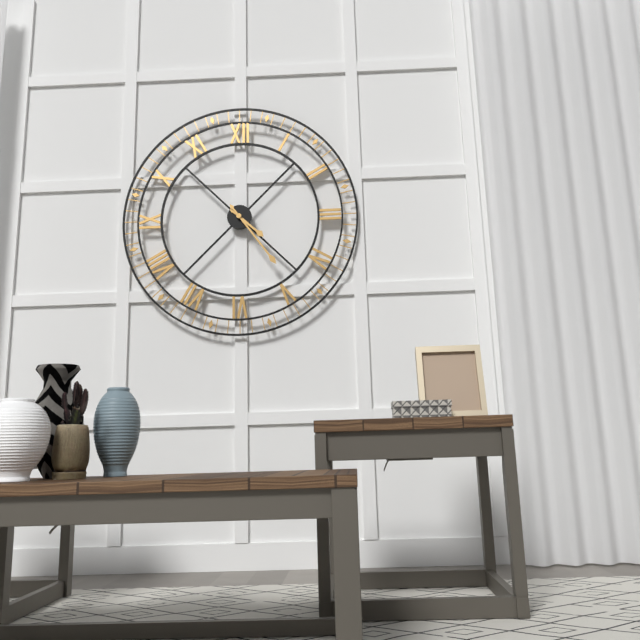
{"hour": 4, "minute": 24}
